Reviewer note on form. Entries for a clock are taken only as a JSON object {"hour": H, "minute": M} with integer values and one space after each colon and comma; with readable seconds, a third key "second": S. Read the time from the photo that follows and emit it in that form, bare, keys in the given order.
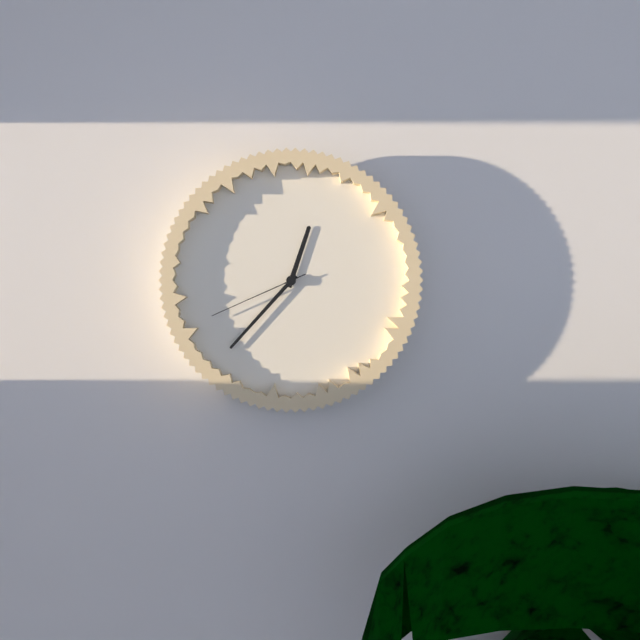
{"hour": 12, "minute": 37, "second": 41}
